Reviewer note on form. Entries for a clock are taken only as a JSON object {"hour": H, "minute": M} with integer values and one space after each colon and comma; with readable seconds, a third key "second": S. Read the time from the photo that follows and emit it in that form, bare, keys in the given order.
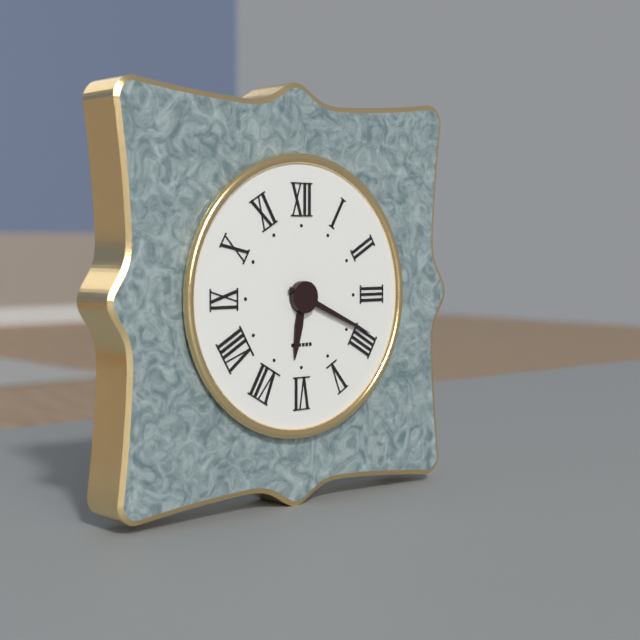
{"hour": 6, "minute": 19}
